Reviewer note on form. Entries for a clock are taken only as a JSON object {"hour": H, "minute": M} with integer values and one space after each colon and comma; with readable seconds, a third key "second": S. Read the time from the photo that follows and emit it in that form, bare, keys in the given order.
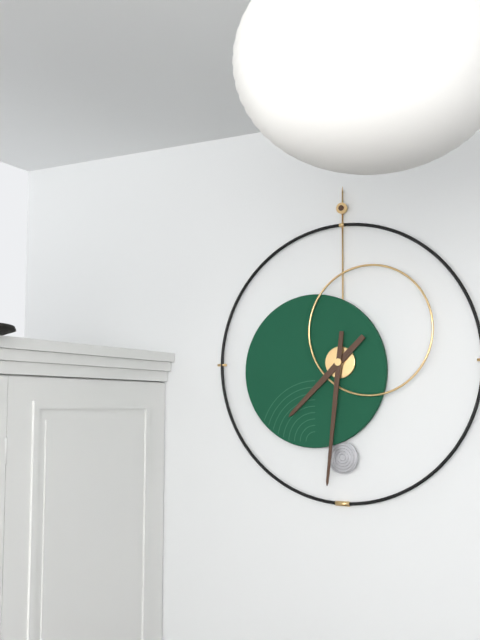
{"hour": 7, "minute": 31}
